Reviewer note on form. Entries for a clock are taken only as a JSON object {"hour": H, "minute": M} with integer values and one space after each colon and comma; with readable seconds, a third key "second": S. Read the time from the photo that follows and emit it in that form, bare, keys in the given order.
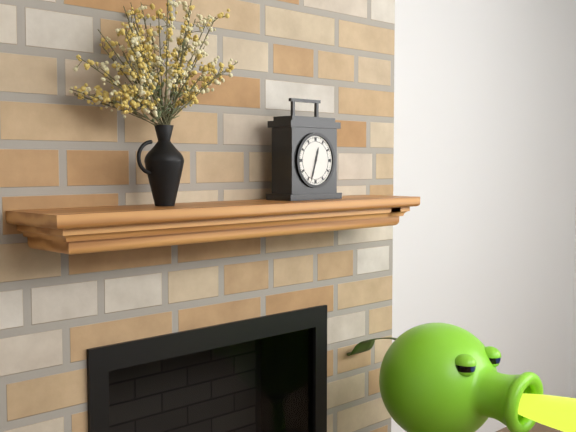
{"hour": 12, "minute": 33}
